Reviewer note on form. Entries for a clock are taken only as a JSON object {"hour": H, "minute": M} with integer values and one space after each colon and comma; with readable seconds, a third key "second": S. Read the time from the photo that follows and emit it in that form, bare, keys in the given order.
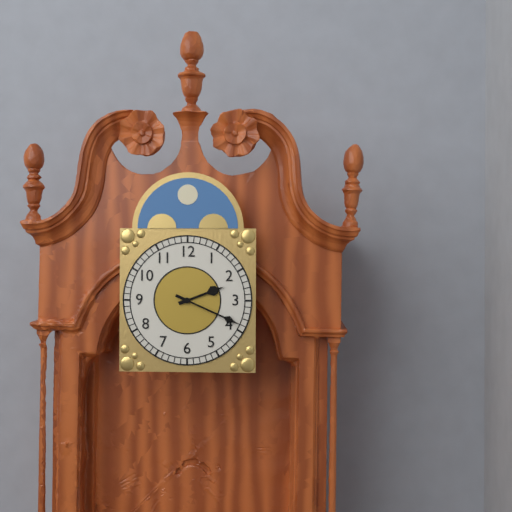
{"hour": 2, "minute": 19}
